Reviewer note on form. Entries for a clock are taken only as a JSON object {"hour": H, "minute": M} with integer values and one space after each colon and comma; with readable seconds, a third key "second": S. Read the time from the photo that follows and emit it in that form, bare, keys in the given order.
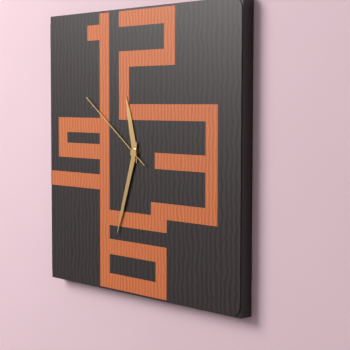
{"hour": 11, "minute": 33, "second": 51}
